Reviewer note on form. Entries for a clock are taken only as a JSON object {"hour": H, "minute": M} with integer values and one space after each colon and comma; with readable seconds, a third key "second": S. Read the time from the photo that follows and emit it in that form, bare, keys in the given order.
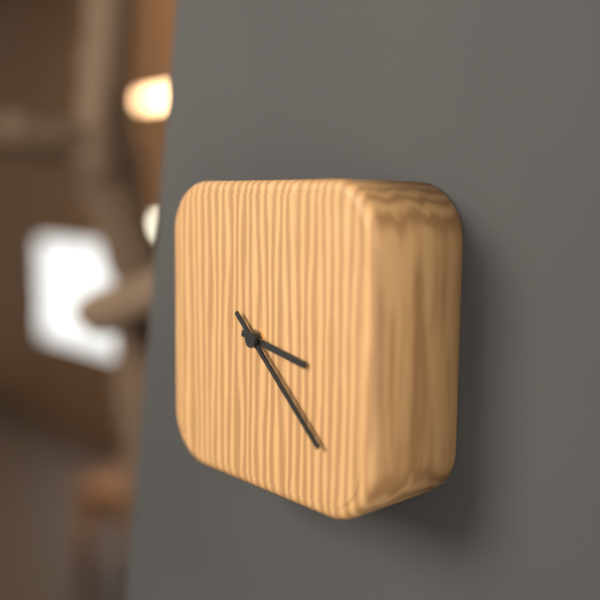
{"hour": 3, "minute": 22}
